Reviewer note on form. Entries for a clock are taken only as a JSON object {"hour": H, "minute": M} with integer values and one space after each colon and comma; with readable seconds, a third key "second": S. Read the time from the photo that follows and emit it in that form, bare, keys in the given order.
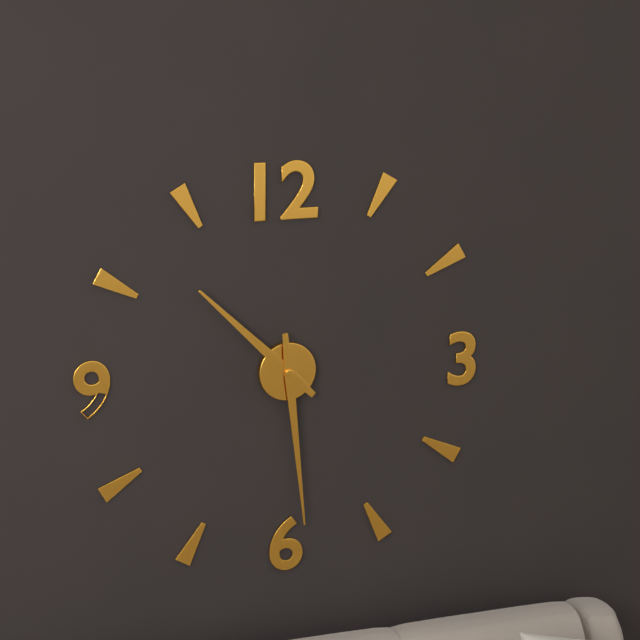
{"hour": 10, "minute": 29}
